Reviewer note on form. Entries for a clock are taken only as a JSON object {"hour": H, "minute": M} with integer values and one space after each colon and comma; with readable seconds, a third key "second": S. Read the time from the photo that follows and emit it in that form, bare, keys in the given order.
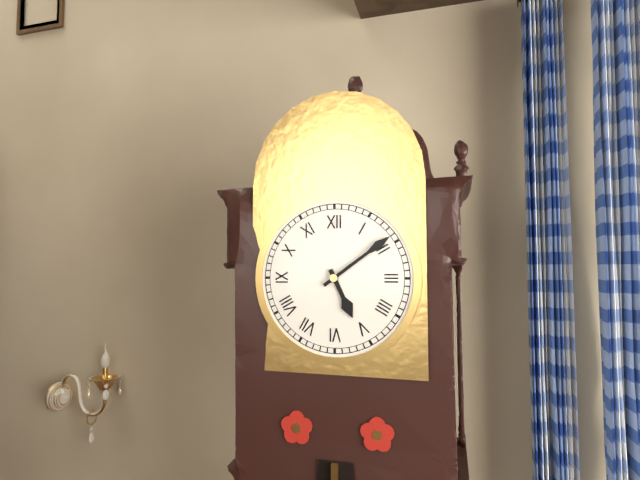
{"hour": 5, "minute": 9}
